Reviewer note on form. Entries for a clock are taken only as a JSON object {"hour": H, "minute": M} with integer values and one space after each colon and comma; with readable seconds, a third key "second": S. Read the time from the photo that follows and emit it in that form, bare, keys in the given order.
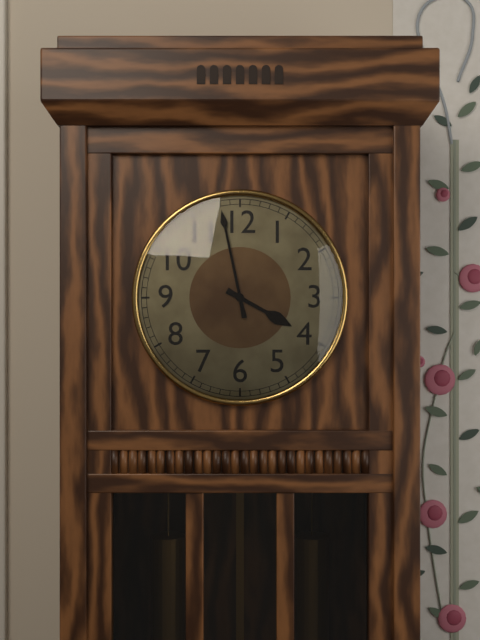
{"hour": 3, "minute": 58}
